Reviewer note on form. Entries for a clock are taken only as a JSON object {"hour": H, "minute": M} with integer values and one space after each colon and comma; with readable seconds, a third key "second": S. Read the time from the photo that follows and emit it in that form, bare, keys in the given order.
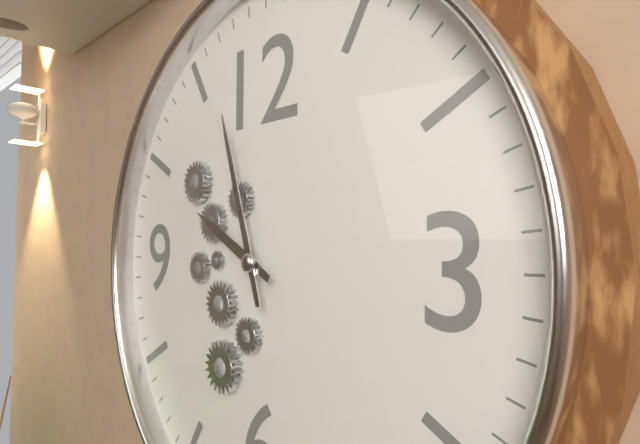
{"hour": 9, "minute": 57}
